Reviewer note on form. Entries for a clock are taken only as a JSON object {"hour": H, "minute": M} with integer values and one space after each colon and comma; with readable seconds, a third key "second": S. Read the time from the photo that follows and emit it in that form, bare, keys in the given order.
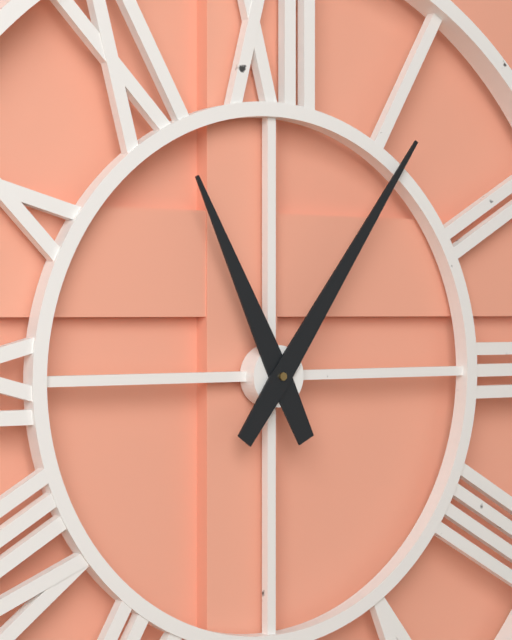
{"hour": 11, "minute": 6}
